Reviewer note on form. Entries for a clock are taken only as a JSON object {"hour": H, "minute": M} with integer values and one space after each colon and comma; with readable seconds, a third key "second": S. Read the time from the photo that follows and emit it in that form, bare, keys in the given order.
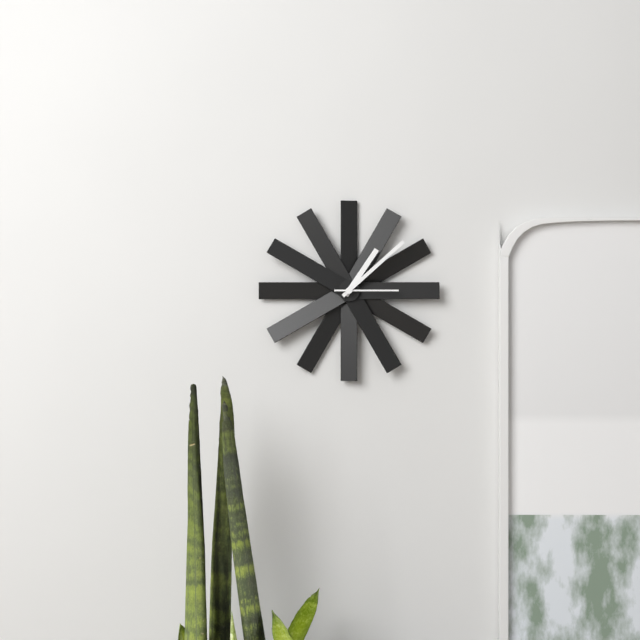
{"hour": 1, "minute": 8, "second": 15}
